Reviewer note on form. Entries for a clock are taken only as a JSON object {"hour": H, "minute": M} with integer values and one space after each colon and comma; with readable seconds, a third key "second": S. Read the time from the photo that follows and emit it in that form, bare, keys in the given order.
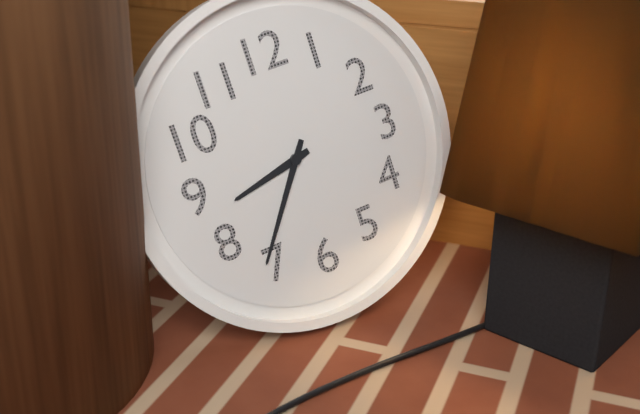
{"hour": 8, "minute": 36}
